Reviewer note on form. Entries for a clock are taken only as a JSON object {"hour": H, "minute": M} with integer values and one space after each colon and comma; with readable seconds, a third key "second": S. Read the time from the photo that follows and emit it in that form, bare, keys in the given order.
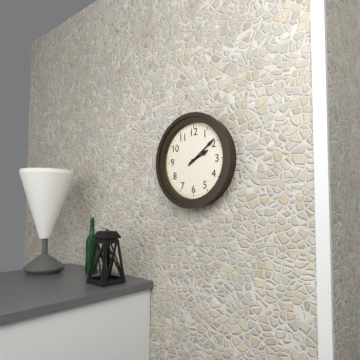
{"hour": 2, "minute": 9}
